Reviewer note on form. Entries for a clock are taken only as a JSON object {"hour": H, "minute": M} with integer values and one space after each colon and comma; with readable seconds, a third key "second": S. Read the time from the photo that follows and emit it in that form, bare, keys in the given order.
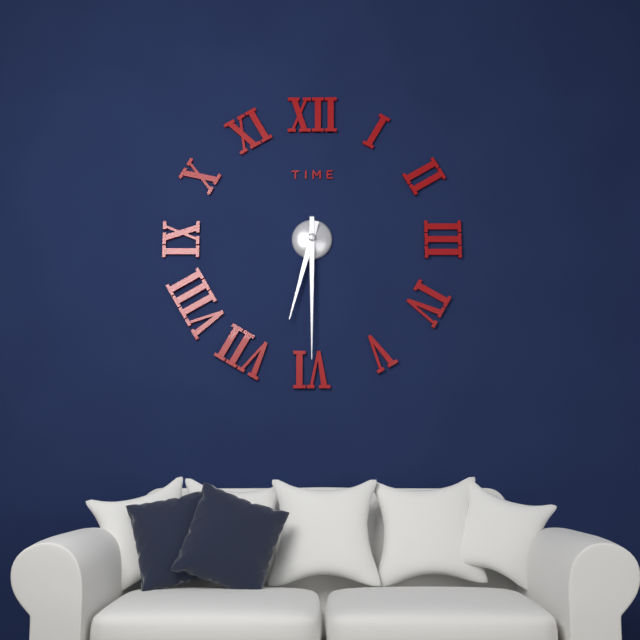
{"hour": 6, "minute": 30}
